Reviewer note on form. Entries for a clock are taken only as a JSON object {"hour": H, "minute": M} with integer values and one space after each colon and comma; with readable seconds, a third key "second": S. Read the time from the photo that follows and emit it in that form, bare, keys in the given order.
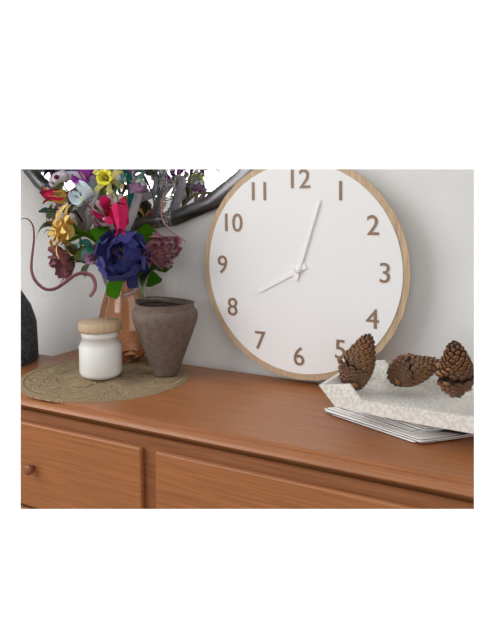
{"hour": 8, "minute": 3}
